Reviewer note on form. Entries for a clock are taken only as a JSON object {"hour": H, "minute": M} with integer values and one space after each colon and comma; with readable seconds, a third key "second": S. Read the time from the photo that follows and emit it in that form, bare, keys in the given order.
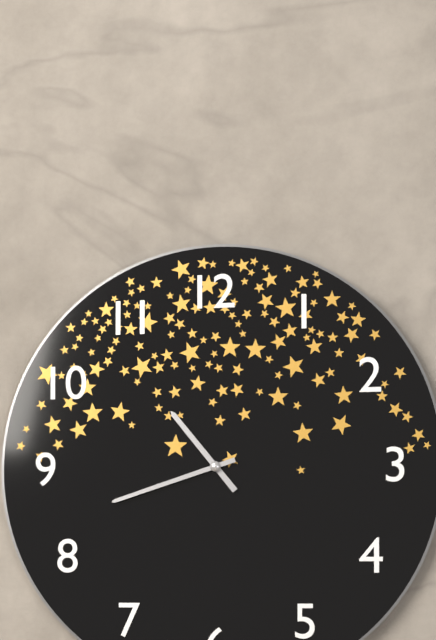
{"hour": 10, "minute": 42}
